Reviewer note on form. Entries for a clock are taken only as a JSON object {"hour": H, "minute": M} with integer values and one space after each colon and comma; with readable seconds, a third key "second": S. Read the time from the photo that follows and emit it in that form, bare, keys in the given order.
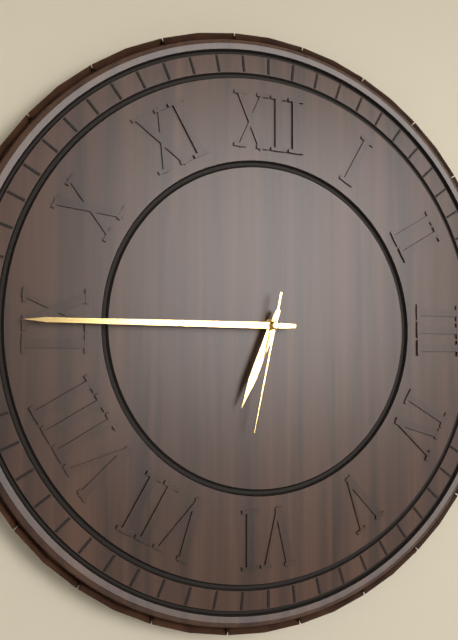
{"hour": 6, "minute": 45, "second": 32}
